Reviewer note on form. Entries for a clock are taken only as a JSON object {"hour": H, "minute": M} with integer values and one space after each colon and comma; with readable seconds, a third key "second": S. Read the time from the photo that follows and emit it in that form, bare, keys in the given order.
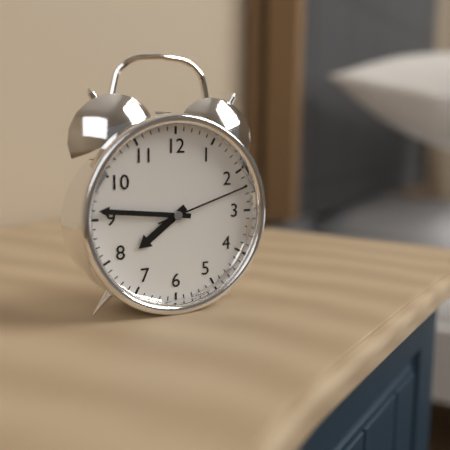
{"hour": 7, "minute": 46, "second": 12}
